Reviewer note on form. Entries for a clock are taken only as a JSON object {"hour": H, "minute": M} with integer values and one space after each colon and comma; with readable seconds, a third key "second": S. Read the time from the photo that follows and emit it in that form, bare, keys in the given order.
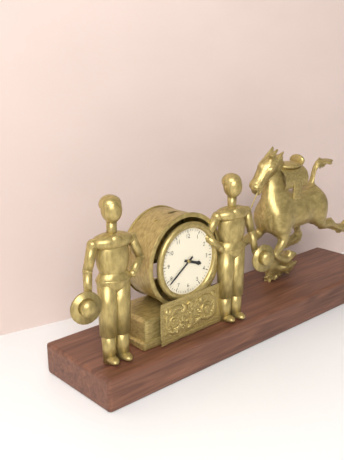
{"hour": 3, "minute": 39}
